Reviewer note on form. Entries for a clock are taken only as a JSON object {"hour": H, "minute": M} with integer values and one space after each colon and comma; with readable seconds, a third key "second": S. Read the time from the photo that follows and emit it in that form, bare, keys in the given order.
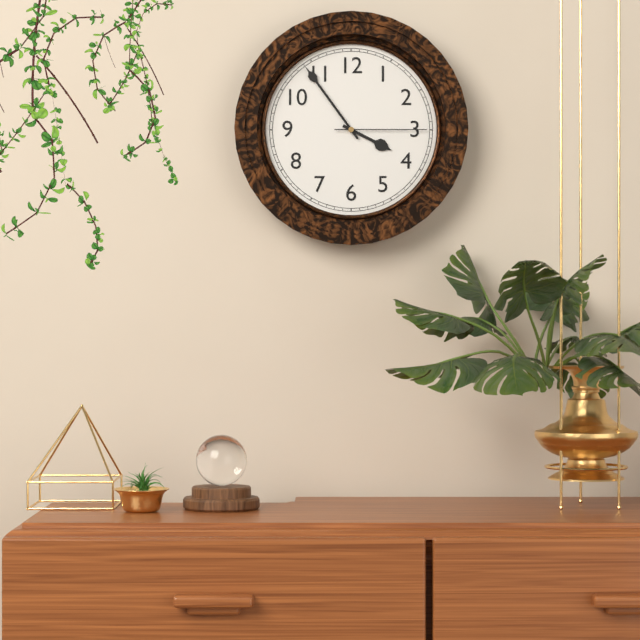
{"hour": 3, "minute": 54, "second": 15}
